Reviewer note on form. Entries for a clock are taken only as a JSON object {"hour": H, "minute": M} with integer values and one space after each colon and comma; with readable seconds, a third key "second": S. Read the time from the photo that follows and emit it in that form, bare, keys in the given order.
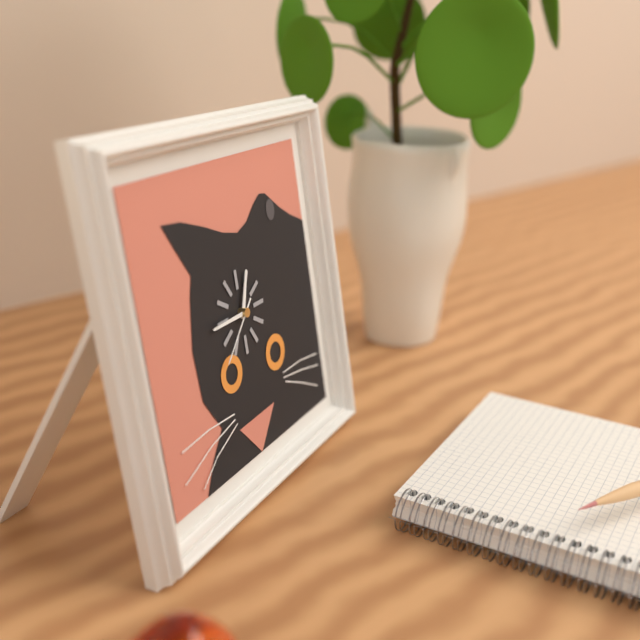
{"hour": 12, "minute": 45, "second": 38}
